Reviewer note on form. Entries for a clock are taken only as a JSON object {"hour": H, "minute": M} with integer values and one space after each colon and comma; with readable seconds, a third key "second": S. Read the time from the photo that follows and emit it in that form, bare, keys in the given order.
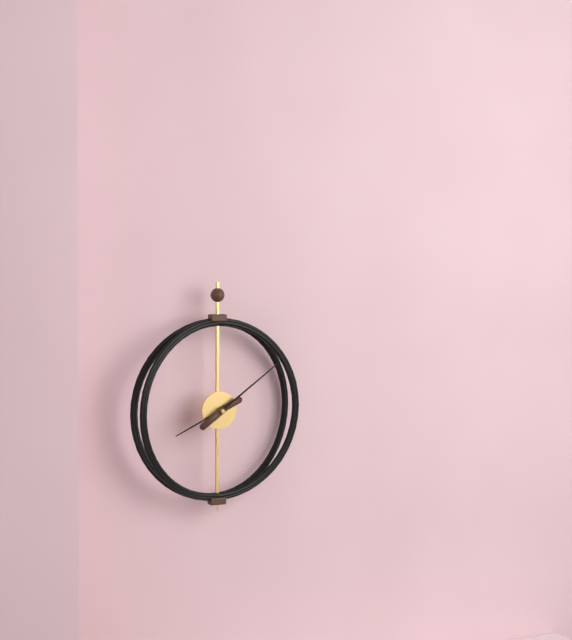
{"hour": 8, "minute": 9}
